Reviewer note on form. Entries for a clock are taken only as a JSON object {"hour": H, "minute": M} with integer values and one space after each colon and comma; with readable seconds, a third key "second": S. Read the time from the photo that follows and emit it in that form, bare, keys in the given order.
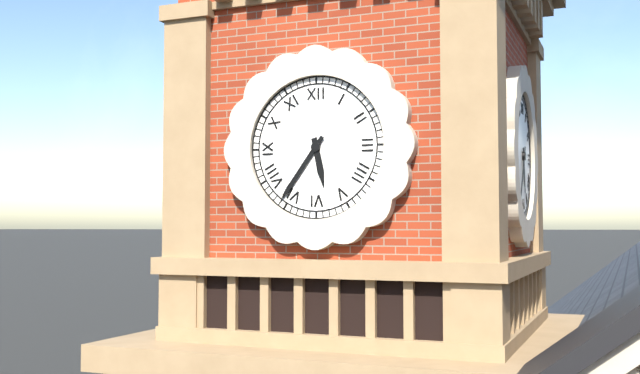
{"hour": 5, "minute": 36}
